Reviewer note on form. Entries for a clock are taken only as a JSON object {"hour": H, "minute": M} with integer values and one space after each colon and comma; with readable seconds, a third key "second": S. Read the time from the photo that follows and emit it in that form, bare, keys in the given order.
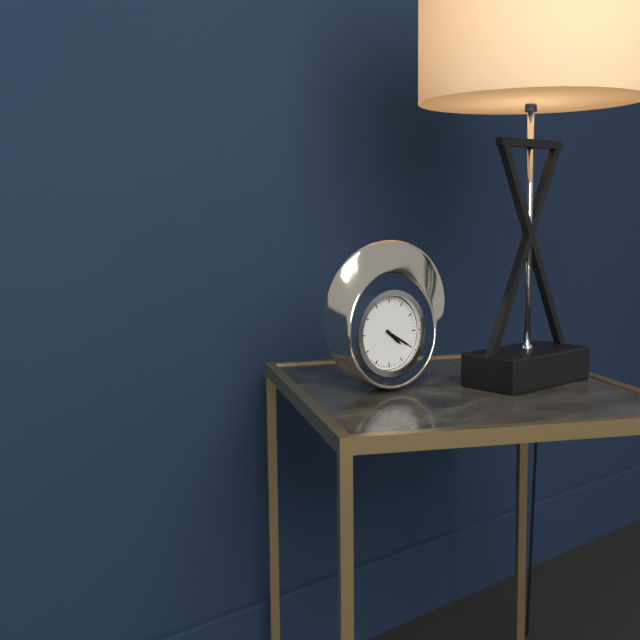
{"hour": 4, "minute": 20}
